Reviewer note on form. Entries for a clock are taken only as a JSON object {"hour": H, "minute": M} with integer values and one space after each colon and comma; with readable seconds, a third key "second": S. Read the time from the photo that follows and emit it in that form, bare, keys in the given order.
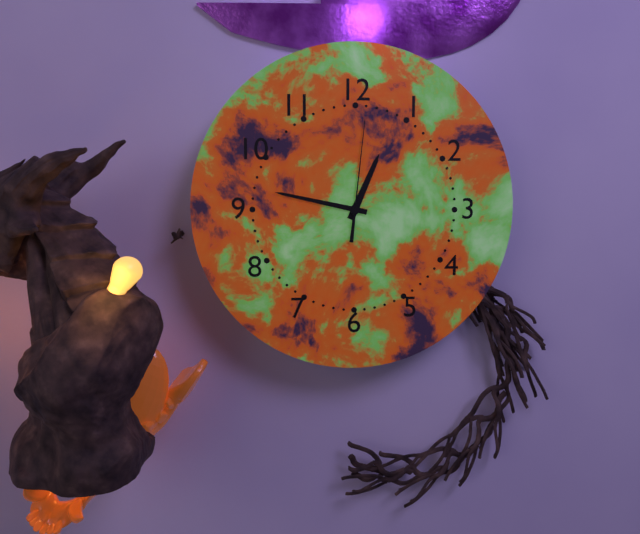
{"hour": 12, "minute": 47, "second": 1}
